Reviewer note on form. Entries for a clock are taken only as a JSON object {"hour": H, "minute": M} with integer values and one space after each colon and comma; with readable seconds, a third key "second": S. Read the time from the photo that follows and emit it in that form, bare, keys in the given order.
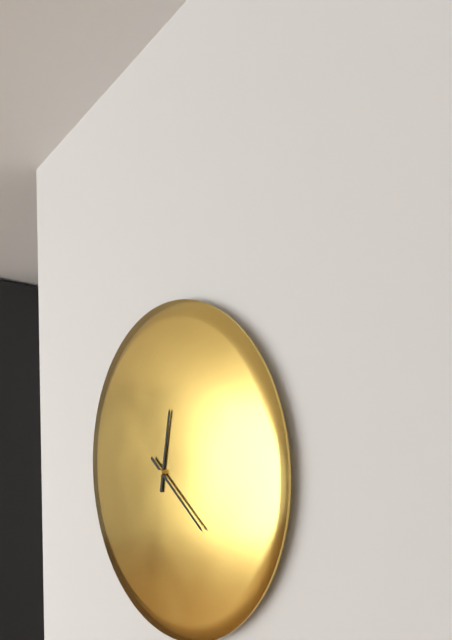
{"hour": 12, "minute": 21}
